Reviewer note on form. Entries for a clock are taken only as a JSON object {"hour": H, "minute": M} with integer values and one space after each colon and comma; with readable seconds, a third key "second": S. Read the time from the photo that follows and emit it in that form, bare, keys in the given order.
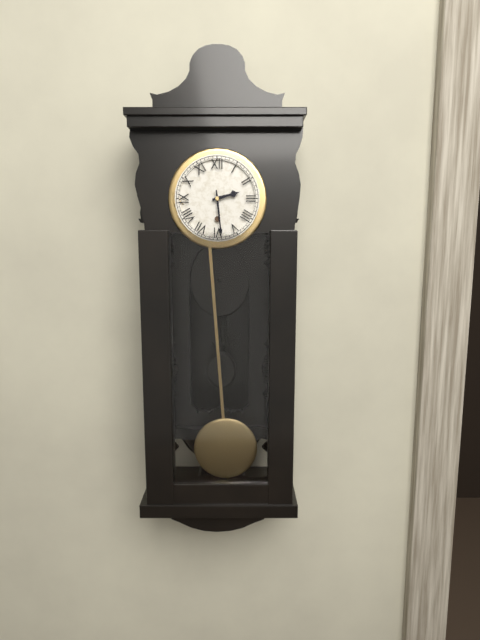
{"hour": 2, "minute": 29}
